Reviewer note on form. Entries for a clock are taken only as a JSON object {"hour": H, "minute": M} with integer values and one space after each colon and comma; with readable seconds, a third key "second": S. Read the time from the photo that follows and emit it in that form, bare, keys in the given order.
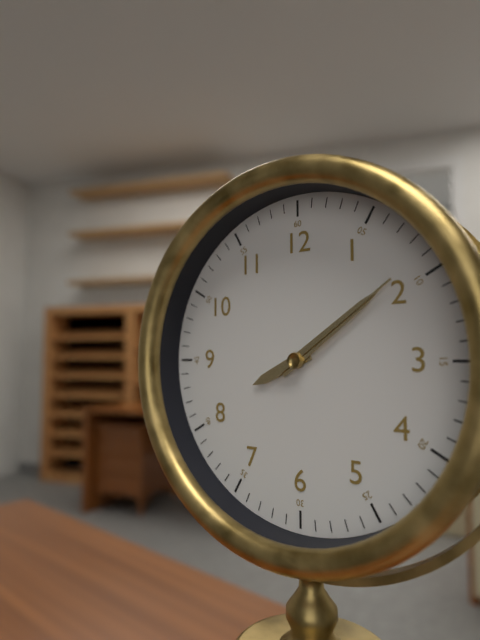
{"hour": 8, "minute": 9, "second": 9}
